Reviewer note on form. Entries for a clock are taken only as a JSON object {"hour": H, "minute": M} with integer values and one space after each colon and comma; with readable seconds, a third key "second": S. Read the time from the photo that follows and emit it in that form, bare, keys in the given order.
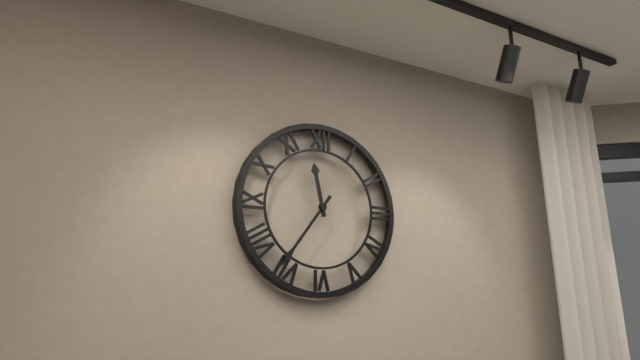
{"hour": 11, "minute": 36}
